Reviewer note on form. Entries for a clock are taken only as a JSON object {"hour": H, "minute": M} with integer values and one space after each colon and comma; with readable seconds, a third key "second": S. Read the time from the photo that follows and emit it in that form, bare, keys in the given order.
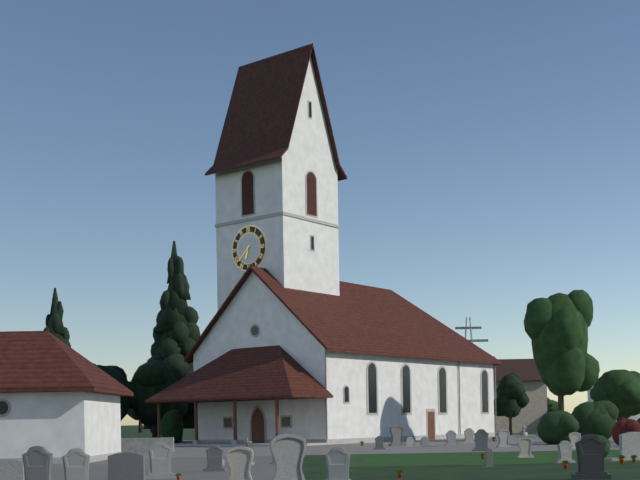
{"hour": 6, "minute": 38}
